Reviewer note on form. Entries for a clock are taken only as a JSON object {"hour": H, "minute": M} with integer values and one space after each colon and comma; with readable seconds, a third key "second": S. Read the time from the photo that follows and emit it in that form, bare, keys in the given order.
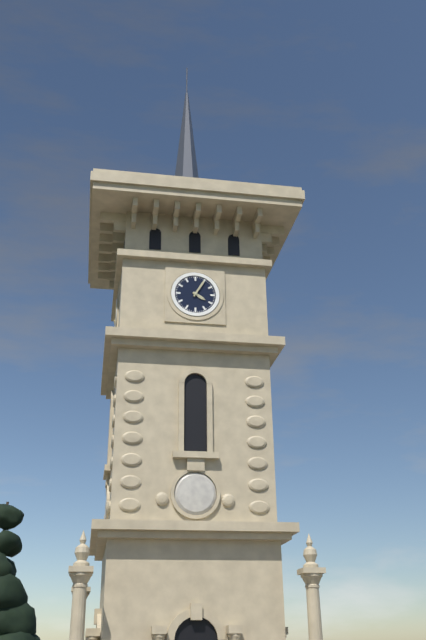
{"hour": 4, "minute": 5}
